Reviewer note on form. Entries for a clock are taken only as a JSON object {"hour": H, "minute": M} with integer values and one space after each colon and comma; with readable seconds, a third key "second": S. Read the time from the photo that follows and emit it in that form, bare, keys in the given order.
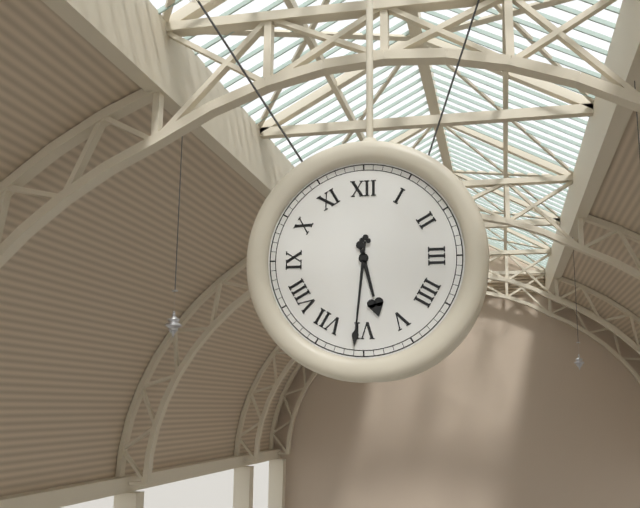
{"hour": 5, "minute": 31}
